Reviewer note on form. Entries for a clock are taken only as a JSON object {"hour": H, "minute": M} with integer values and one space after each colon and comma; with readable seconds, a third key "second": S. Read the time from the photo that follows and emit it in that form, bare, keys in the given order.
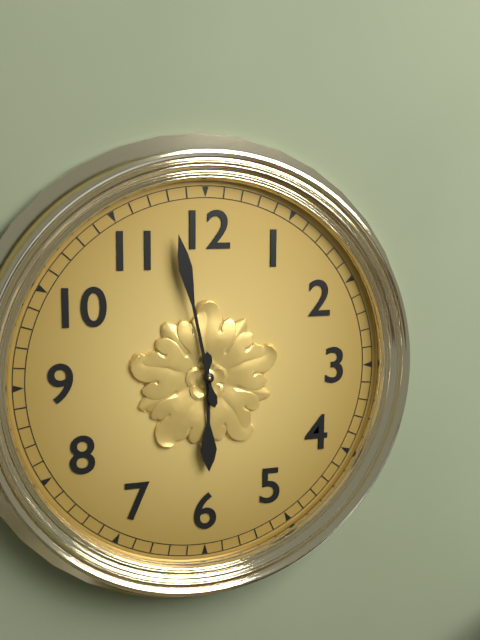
{"hour": 5, "minute": 58}
